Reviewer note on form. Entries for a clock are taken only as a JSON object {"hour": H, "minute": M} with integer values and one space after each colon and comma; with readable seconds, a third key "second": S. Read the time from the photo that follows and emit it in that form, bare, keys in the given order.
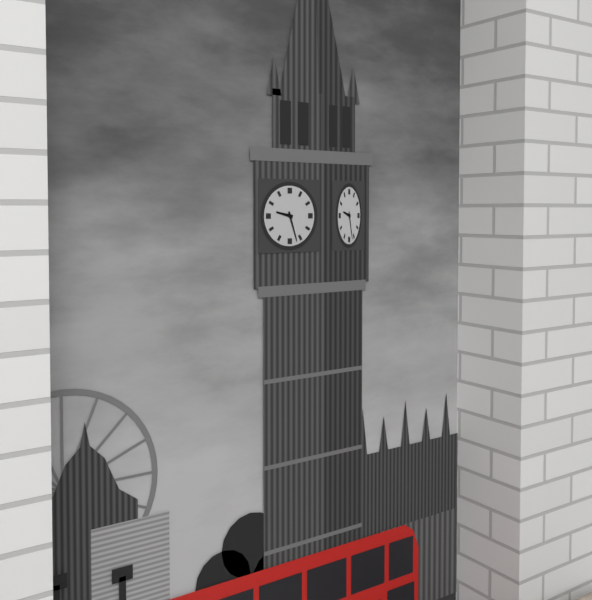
{"hour": 9, "minute": 27}
